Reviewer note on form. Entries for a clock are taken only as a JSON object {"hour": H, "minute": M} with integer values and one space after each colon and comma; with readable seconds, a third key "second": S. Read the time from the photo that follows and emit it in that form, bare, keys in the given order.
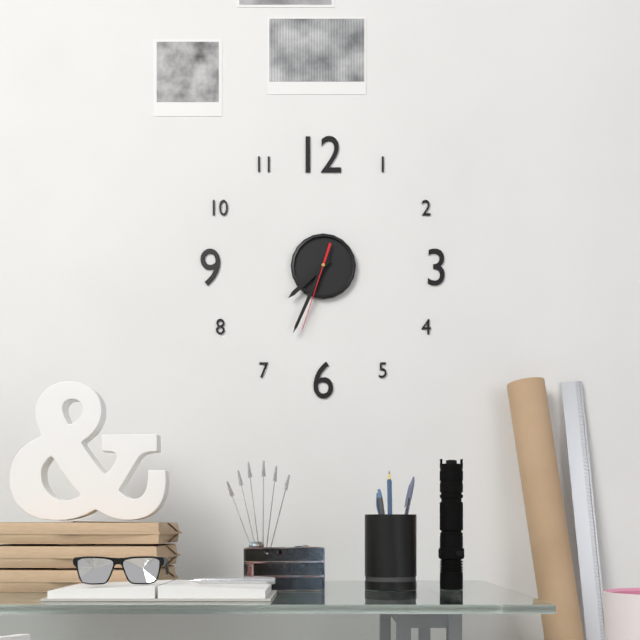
{"hour": 7, "minute": 34, "second": 33}
